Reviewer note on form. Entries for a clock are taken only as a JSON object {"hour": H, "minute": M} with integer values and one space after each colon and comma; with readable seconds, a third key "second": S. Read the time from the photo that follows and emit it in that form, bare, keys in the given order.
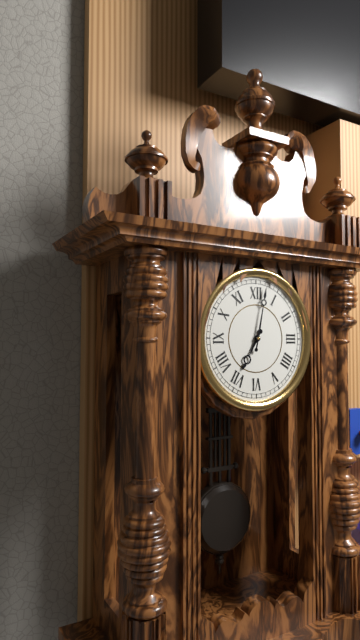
{"hour": 7, "minute": 2}
